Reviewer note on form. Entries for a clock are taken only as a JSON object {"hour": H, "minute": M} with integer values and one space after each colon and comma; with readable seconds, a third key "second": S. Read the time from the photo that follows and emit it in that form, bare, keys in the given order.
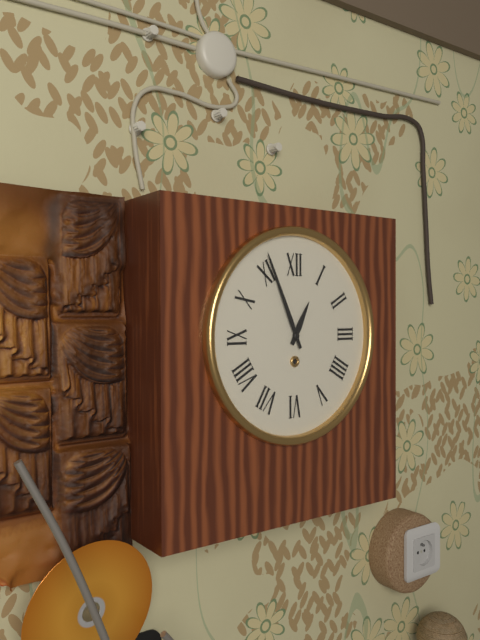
{"hour": 12, "minute": 56}
